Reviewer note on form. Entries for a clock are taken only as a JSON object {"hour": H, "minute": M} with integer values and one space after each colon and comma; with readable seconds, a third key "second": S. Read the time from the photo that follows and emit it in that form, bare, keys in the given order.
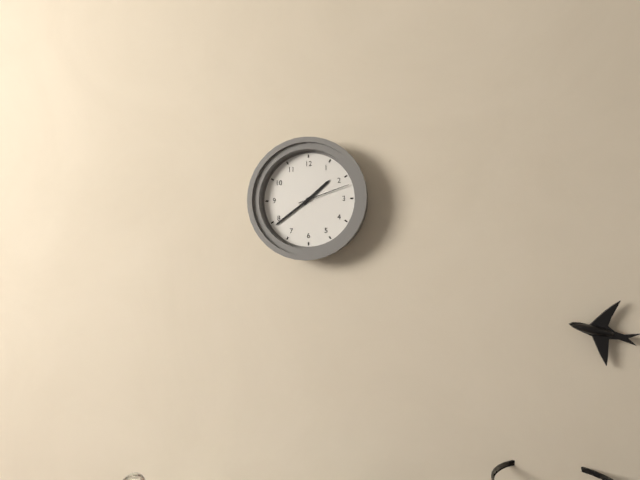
{"hour": 1, "minute": 39, "second": 12}
